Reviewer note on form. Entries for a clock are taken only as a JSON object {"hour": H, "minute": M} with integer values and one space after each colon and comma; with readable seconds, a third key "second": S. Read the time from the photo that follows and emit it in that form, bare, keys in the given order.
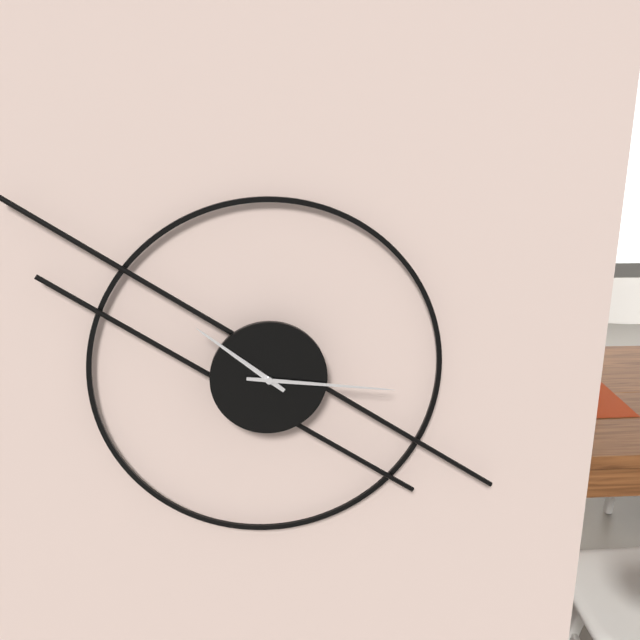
{"hour": 10, "minute": 16}
